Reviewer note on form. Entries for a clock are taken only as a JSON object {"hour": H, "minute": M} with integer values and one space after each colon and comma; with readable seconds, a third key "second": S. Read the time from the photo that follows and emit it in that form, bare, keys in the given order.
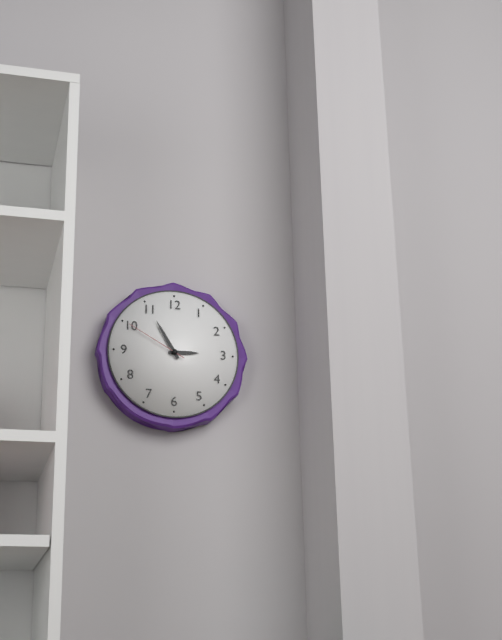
{"hour": 2, "minute": 55, "second": 50}
